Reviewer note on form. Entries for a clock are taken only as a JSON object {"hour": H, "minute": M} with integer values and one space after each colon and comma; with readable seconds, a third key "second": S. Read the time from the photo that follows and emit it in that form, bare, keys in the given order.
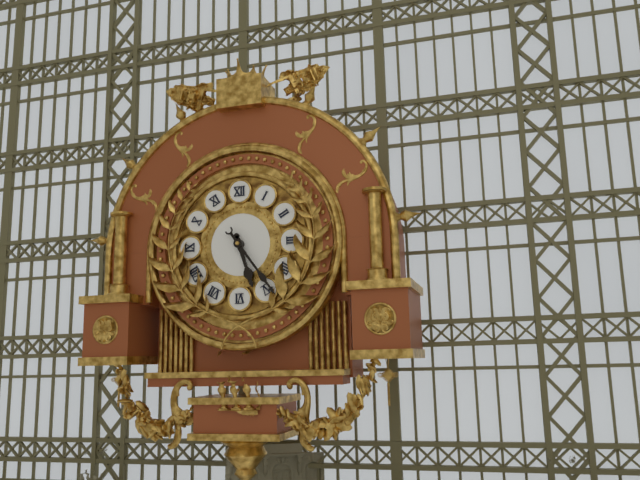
{"hour": 5, "minute": 24}
